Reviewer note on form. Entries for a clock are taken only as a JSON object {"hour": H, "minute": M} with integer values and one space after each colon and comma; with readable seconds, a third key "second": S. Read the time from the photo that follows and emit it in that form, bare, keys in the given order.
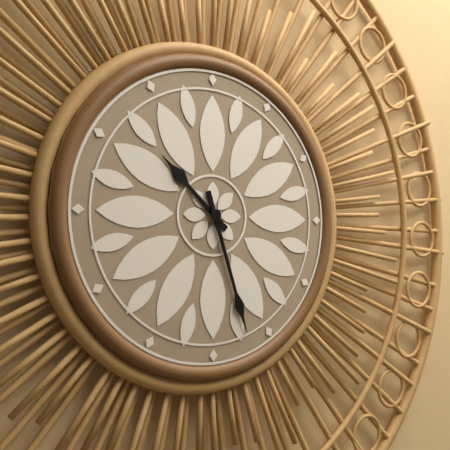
{"hour": 10, "minute": 27}
